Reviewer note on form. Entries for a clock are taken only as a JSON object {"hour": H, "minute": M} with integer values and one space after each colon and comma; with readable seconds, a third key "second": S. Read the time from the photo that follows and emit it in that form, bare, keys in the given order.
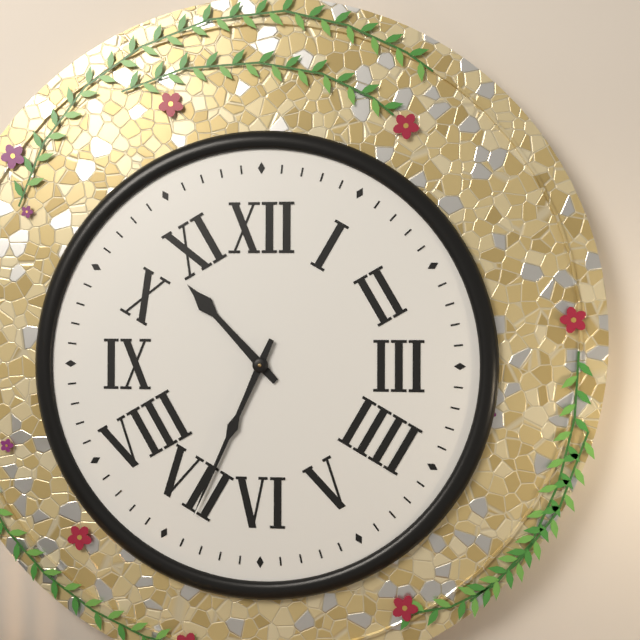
{"hour": 10, "minute": 34}
